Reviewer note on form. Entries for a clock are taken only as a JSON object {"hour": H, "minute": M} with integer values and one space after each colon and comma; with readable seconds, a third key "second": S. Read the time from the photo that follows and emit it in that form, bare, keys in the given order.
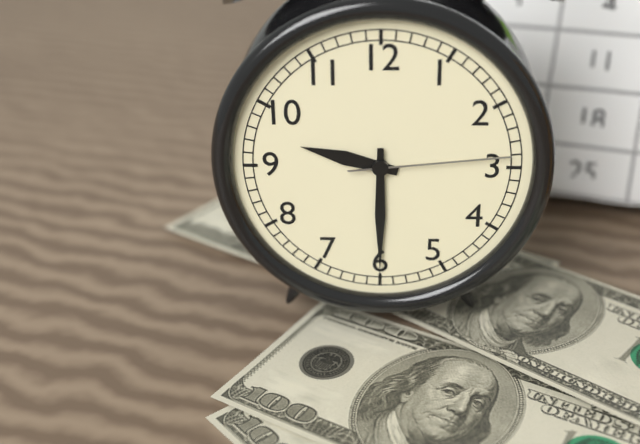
{"hour": 9, "minute": 30, "second": 14}
